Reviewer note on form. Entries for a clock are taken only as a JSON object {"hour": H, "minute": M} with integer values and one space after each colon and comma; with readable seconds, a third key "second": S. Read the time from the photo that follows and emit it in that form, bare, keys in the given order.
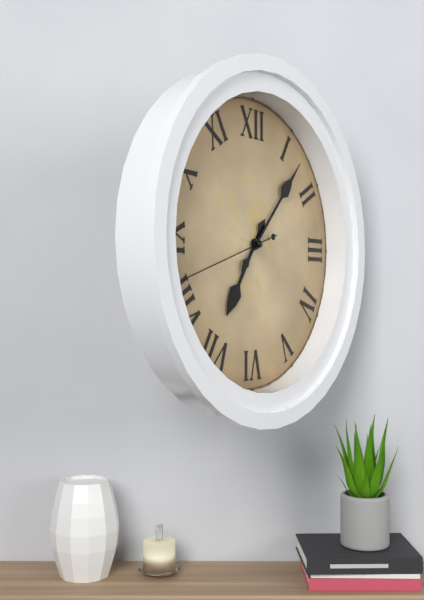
{"hour": 7, "minute": 7, "second": 42}
